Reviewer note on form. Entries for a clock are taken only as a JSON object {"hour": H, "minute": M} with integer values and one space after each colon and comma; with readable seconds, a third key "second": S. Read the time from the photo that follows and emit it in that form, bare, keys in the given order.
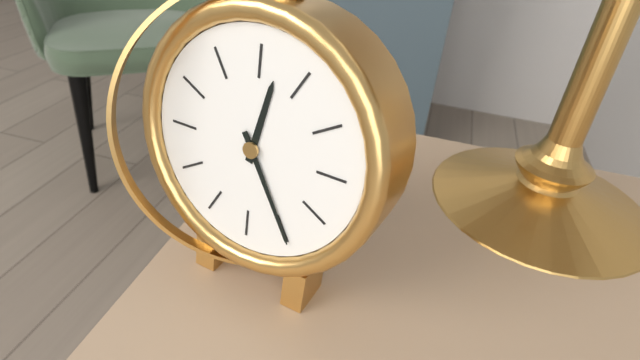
{"hour": 12, "minute": 25}
